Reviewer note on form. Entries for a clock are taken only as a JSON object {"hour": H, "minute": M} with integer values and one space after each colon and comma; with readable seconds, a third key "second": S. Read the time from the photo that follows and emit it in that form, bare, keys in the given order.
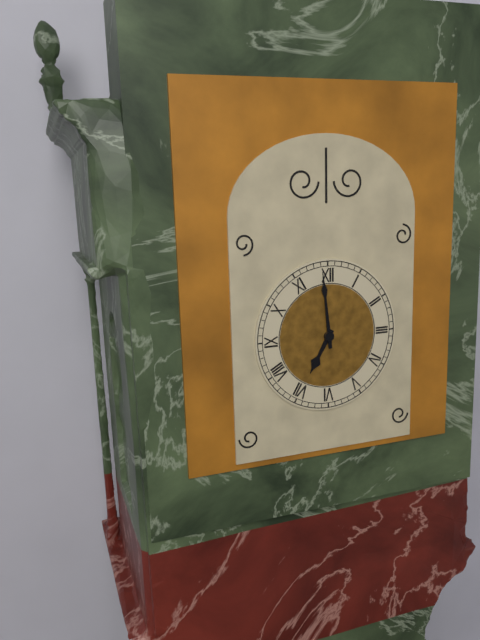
{"hour": 6, "minute": 59}
